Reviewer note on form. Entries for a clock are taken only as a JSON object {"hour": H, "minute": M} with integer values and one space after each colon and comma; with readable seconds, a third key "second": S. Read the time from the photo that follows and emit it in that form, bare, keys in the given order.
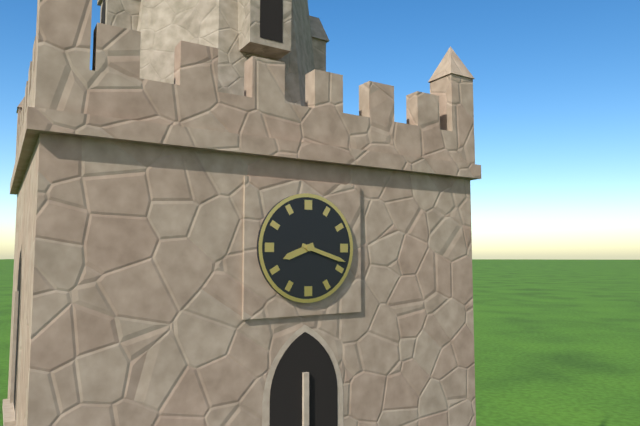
{"hour": 8, "minute": 18}
